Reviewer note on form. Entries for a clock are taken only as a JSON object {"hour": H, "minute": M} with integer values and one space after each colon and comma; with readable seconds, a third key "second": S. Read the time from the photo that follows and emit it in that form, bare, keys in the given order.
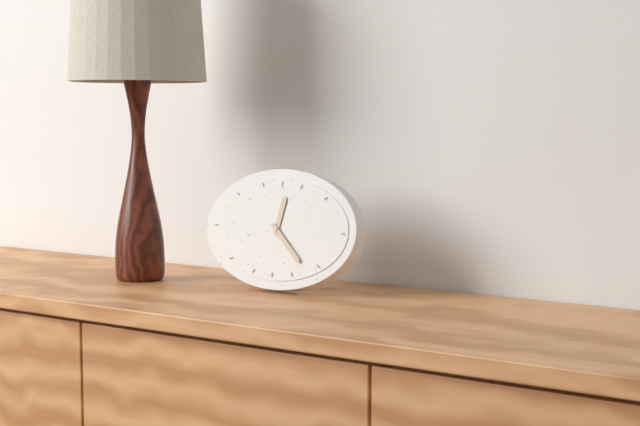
{"hour": 12, "minute": 22}
